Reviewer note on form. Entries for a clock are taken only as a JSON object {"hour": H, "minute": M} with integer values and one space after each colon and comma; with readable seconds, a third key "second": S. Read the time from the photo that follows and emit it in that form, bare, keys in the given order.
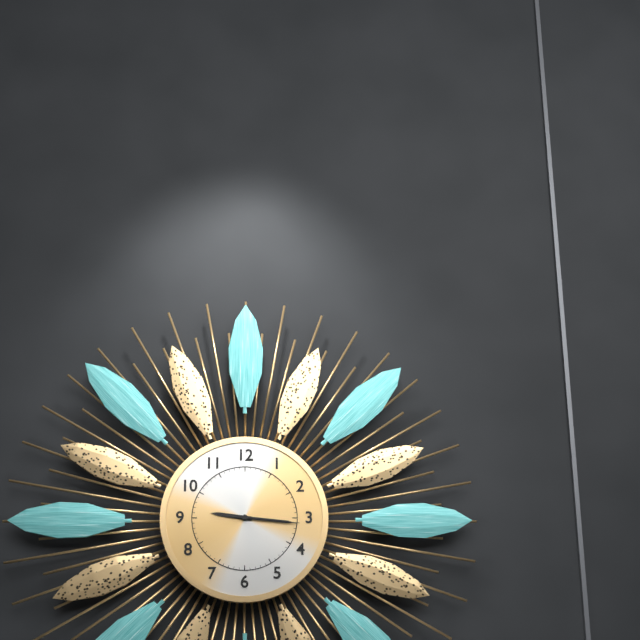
{"hour": 9, "minute": 16, "second": 16}
